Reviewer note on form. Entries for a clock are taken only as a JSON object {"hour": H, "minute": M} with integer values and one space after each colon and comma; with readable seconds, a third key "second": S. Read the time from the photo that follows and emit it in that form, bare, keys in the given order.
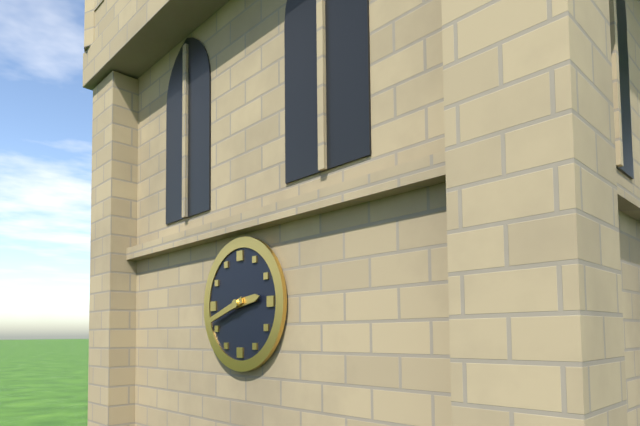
{"hour": 2, "minute": 42}
